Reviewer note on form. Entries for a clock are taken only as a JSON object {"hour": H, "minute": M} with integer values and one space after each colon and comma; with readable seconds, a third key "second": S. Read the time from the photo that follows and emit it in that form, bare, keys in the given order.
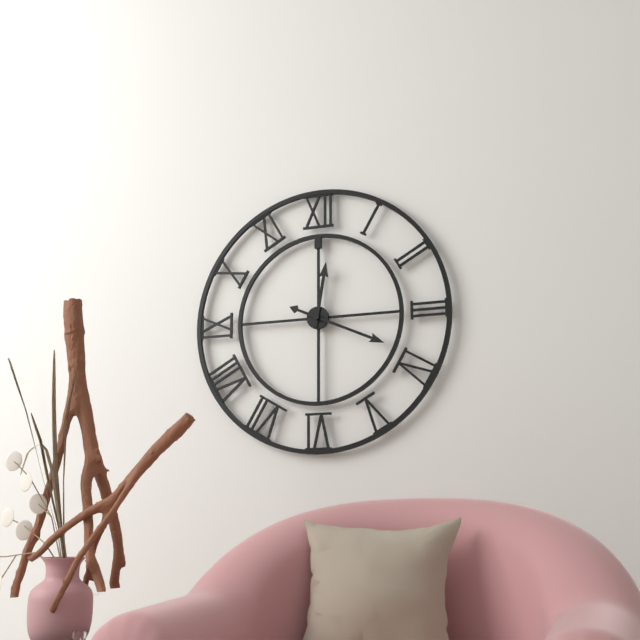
{"hour": 12, "minute": 19}
